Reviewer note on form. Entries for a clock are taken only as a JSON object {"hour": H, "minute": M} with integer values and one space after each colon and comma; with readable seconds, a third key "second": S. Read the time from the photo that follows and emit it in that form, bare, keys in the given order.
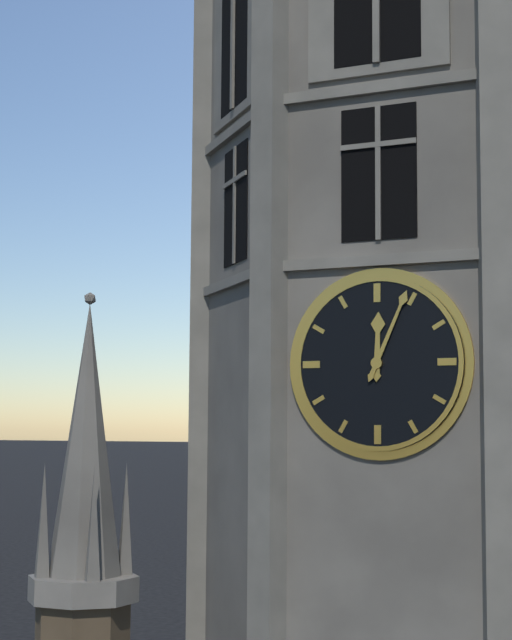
{"hour": 12, "minute": 4}
